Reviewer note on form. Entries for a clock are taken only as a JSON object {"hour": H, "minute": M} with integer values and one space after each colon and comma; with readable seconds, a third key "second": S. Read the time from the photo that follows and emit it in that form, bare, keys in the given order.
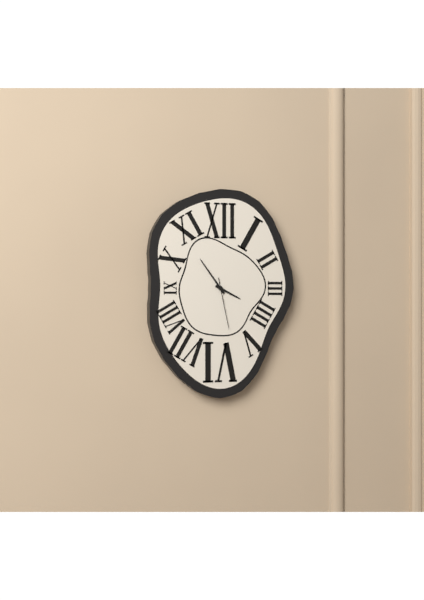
{"hour": 3, "minute": 54, "second": 28}
